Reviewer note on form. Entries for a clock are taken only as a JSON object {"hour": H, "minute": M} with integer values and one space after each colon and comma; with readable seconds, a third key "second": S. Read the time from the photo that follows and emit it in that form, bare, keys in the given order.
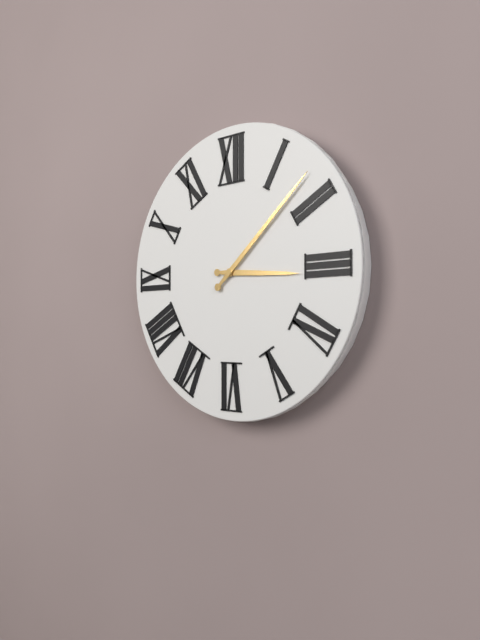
{"hour": 3, "minute": 8}
